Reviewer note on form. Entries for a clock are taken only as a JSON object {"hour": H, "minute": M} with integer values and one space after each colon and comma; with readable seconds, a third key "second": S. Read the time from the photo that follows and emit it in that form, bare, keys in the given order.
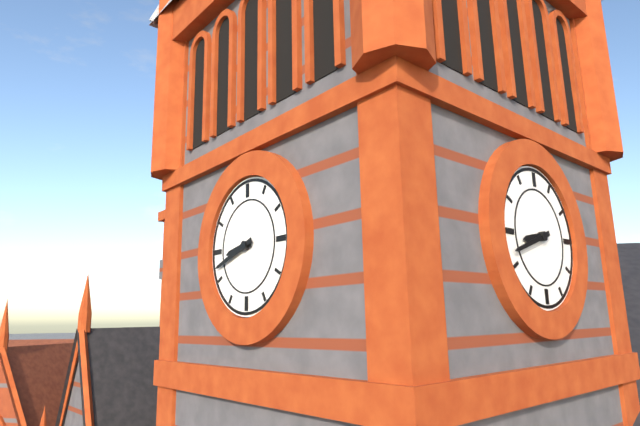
{"hour": 8, "minute": 42}
